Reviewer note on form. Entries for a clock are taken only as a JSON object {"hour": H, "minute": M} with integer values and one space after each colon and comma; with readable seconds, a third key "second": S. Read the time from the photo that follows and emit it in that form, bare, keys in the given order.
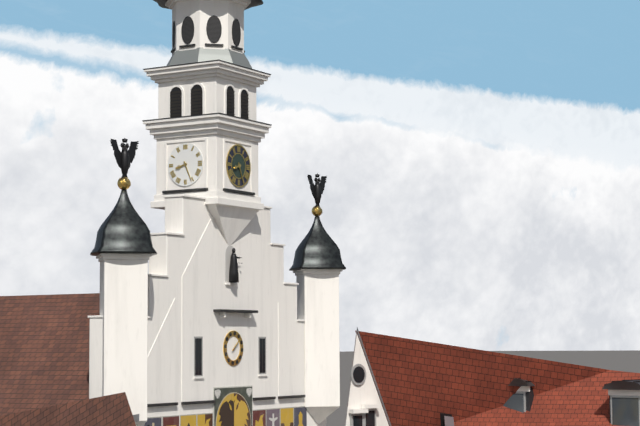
{"hour": 8, "minute": 26}
